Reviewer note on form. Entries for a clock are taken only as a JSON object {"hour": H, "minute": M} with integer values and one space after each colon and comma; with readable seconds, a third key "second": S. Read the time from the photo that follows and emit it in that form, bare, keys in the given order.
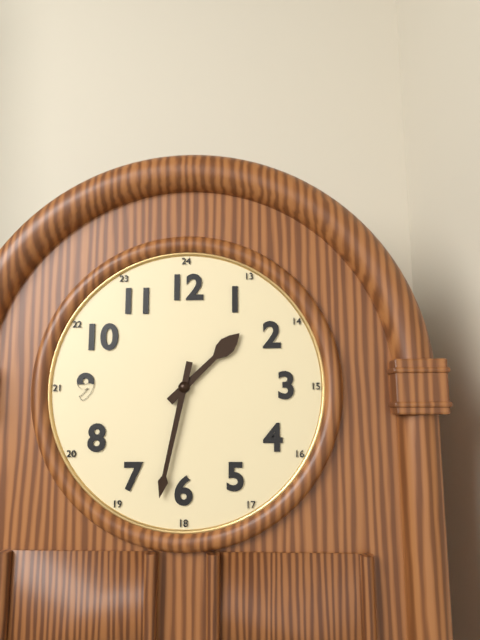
{"hour": 1, "minute": 32}
